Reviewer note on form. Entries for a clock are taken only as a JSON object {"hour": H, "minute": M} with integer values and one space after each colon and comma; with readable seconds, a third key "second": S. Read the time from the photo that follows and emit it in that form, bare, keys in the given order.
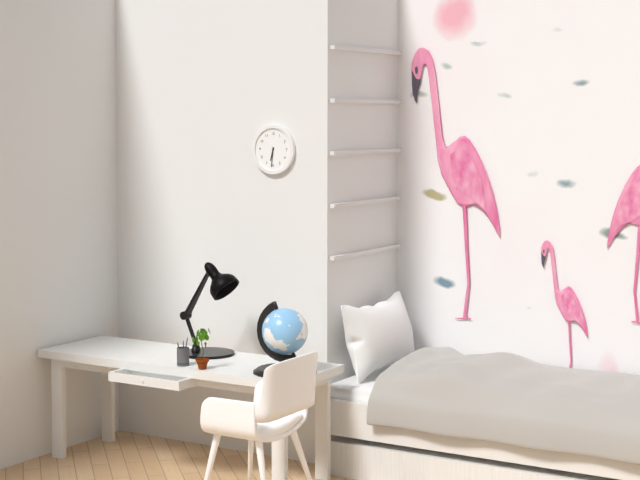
{"hour": 6, "minute": 31}
